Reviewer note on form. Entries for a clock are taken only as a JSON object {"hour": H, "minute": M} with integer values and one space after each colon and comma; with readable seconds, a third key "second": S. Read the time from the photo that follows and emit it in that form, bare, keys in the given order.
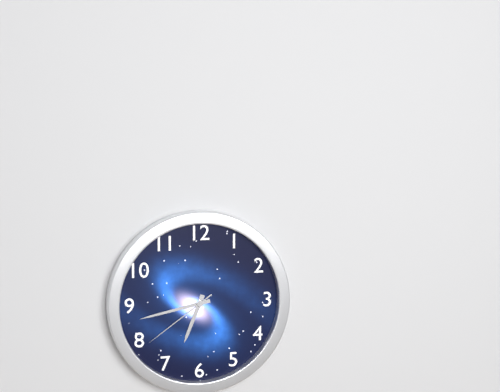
{"hour": 6, "minute": 43, "second": 39}
